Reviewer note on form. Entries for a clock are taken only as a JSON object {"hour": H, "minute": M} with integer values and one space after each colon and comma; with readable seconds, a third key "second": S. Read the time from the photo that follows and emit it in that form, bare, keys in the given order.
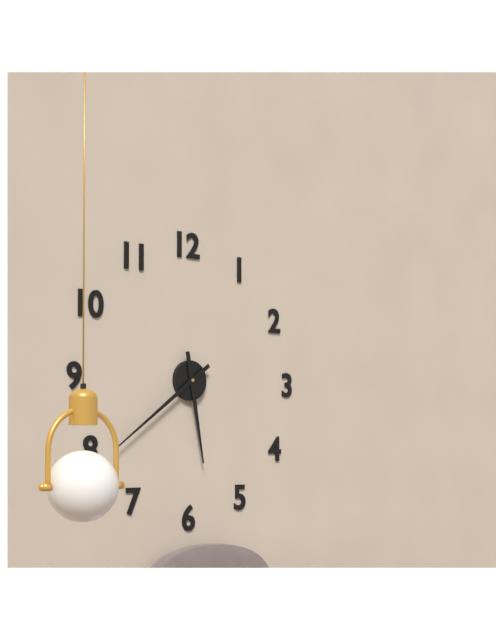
{"hour": 5, "minute": 39}
